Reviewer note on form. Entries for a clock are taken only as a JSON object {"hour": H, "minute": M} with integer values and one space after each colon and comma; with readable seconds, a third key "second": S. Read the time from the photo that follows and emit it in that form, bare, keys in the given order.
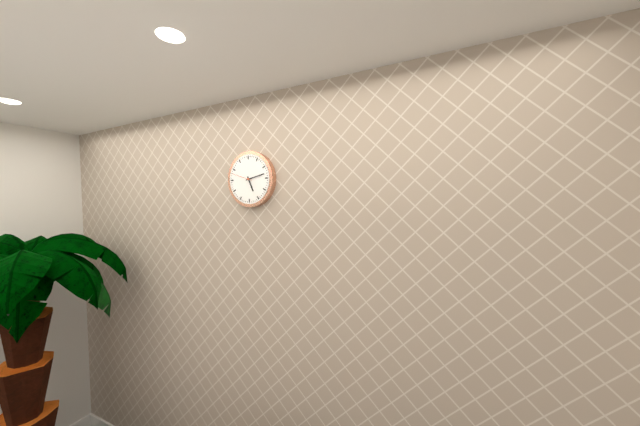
{"hour": 5, "minute": 13}
